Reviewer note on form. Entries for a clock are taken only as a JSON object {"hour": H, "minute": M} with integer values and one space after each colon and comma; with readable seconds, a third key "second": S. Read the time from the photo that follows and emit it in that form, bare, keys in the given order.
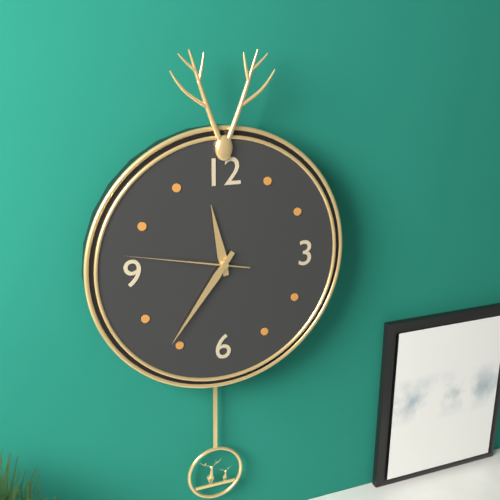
{"hour": 11, "minute": 36, "second": 47}
